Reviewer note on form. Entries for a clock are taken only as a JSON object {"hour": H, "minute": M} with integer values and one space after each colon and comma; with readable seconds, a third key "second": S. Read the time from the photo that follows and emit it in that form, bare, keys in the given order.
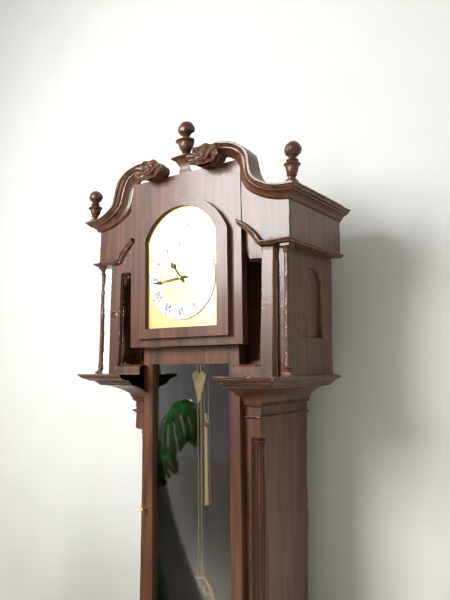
{"hour": 10, "minute": 44}
